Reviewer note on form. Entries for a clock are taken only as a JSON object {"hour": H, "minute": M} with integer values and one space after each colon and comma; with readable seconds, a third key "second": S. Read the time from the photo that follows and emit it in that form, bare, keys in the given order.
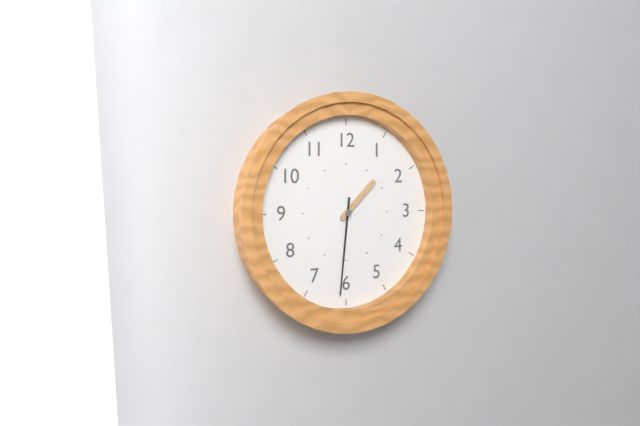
{"hour": 1, "minute": 31}
